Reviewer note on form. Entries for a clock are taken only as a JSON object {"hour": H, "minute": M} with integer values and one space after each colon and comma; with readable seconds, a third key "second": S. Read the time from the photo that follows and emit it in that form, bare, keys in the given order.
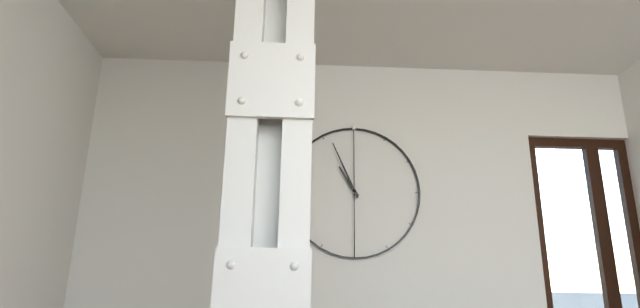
{"hour": 10, "minute": 56}
